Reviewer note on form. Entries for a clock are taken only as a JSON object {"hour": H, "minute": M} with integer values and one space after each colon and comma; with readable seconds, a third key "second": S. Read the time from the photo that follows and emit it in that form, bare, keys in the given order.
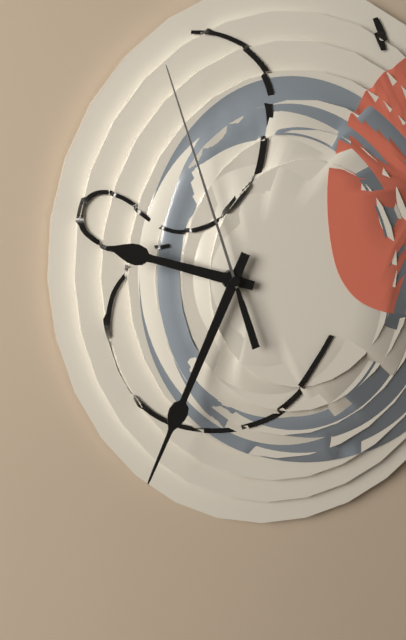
{"hour": 9, "minute": 34, "second": 57}
